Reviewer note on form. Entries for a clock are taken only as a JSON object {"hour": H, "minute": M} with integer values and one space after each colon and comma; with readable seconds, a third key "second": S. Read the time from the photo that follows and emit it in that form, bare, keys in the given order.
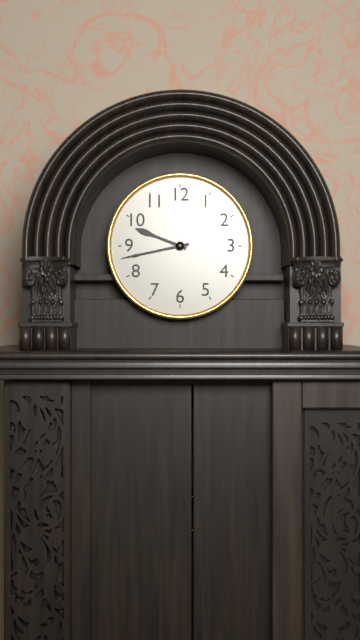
{"hour": 9, "minute": 43}
